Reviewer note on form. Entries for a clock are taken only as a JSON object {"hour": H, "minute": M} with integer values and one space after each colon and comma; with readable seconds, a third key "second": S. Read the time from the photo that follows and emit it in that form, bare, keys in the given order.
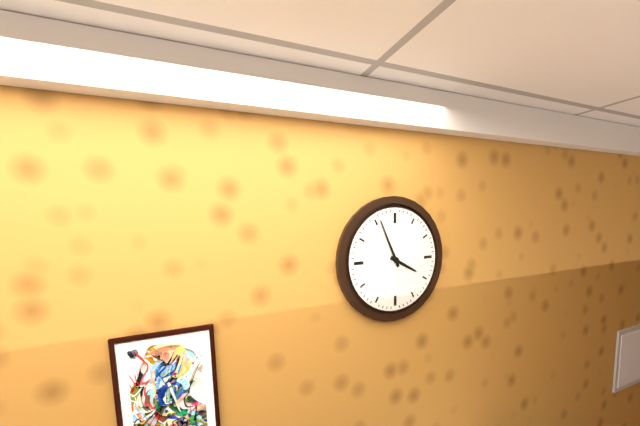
{"hour": 3, "minute": 56}
